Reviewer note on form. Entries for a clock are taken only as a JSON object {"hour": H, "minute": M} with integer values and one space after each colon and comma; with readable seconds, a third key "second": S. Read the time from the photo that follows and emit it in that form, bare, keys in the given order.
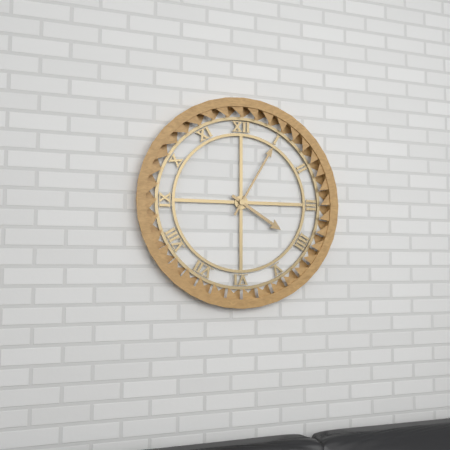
{"hour": 4, "minute": 5}
